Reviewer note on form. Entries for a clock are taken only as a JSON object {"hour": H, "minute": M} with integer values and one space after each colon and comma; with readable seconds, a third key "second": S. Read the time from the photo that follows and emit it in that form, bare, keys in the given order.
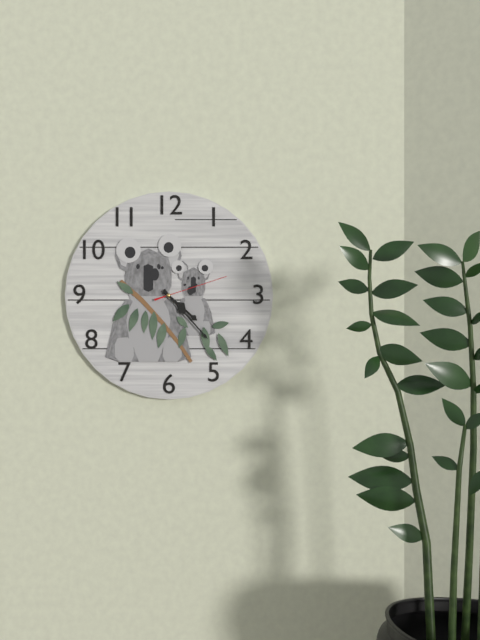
{"hour": 4, "minute": 23, "second": 12}
